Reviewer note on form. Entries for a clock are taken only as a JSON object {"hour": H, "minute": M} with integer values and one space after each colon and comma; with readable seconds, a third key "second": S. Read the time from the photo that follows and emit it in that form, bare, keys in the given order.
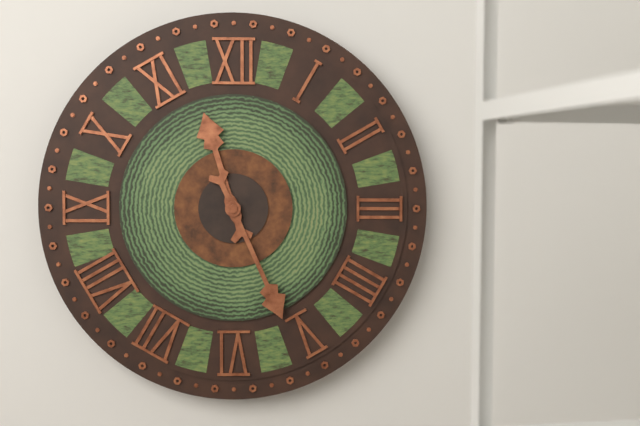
{"hour": 11, "minute": 26}
